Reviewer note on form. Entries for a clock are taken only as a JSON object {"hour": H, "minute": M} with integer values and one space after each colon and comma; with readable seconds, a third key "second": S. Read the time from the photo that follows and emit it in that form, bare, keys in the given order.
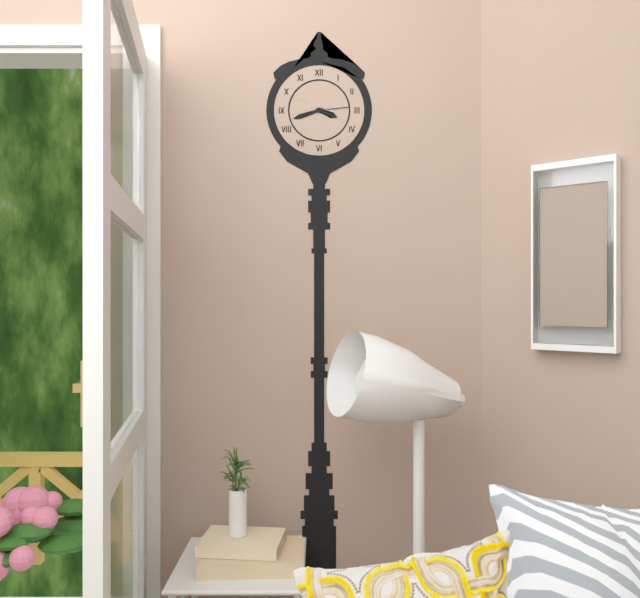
{"hour": 3, "minute": 42}
